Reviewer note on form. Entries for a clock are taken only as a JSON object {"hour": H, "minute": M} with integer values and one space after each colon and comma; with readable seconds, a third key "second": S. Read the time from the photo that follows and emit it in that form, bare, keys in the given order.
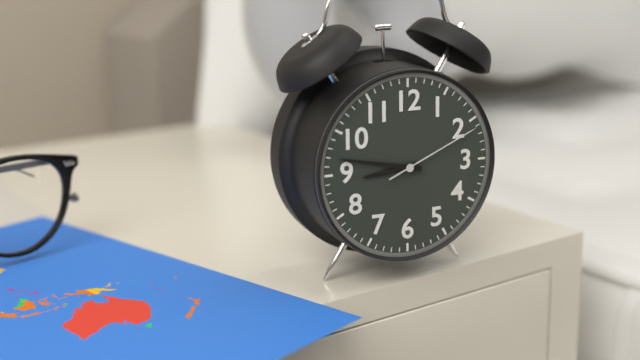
{"hour": 8, "minute": 47, "second": 11}
